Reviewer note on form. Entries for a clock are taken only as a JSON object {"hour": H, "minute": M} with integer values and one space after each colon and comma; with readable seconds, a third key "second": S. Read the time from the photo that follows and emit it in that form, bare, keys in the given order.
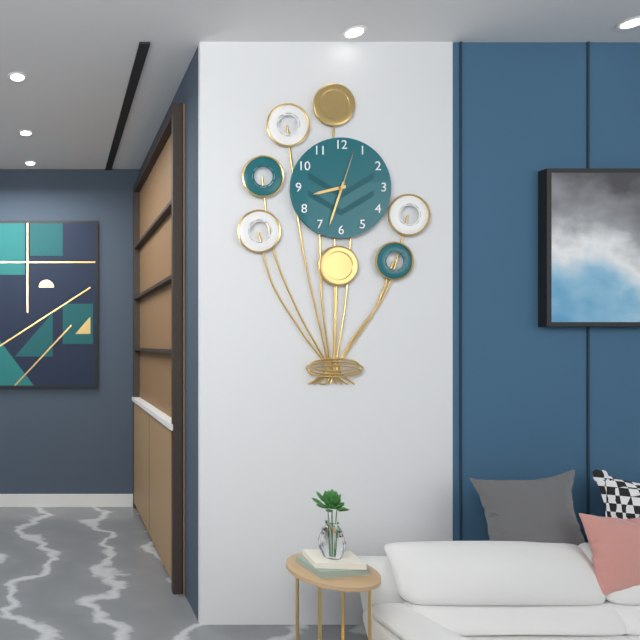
{"hour": 8, "minute": 33}
